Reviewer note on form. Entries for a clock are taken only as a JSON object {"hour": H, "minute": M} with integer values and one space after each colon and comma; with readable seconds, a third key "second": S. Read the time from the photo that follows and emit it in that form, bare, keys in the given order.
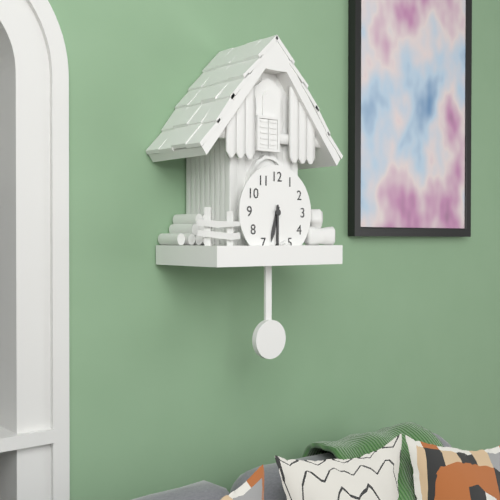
{"hour": 6, "minute": 30}
